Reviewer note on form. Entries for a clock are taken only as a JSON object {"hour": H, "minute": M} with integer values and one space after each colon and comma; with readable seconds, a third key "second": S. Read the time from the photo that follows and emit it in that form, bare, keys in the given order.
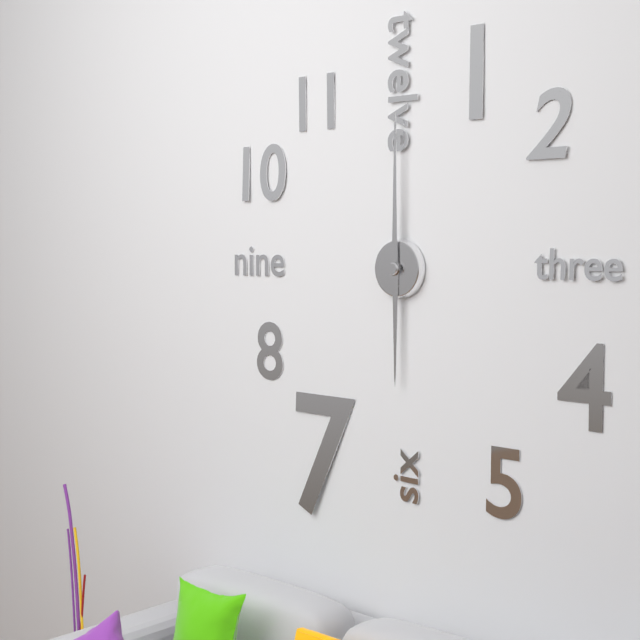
{"hour": 6, "minute": 0}
